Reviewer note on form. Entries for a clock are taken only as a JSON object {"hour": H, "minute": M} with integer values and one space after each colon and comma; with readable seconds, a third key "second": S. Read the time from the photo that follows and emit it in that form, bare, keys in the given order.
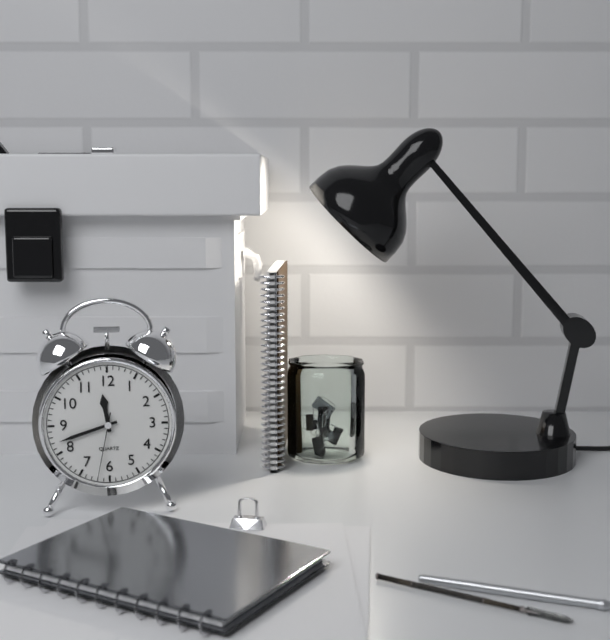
{"hour": 11, "minute": 42, "second": 32}
